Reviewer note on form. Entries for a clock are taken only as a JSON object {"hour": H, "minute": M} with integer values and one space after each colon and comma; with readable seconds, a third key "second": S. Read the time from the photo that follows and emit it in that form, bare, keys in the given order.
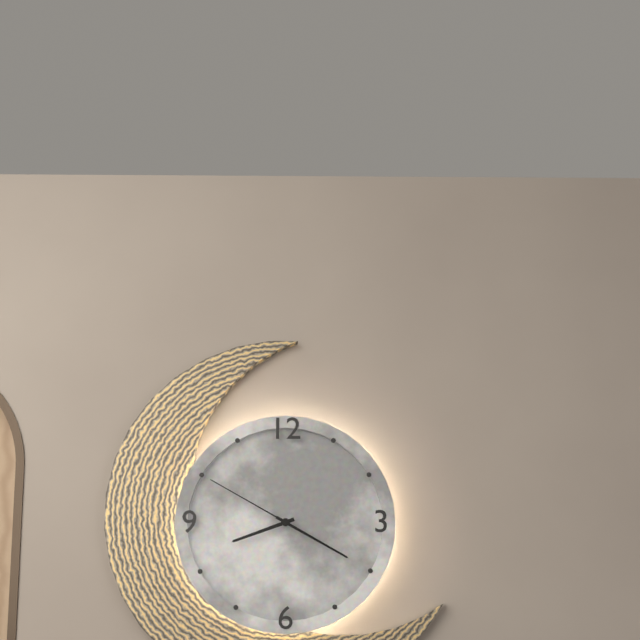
{"hour": 8, "minute": 20, "second": 50}
